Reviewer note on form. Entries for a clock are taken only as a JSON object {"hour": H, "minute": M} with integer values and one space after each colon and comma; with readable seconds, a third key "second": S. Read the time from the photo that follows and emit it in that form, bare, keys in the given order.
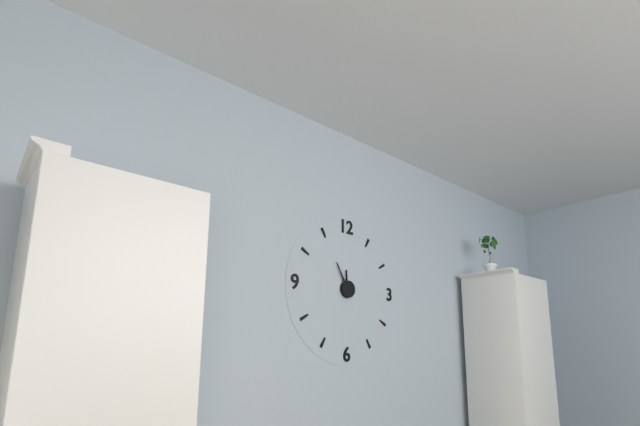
{"hour": 11, "minute": 55}
